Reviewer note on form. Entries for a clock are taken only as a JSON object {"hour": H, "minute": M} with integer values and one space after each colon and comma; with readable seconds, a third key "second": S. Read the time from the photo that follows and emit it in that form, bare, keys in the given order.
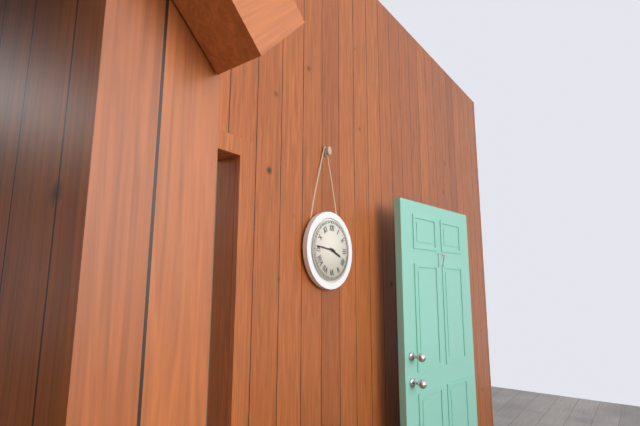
{"hour": 3, "minute": 46}
